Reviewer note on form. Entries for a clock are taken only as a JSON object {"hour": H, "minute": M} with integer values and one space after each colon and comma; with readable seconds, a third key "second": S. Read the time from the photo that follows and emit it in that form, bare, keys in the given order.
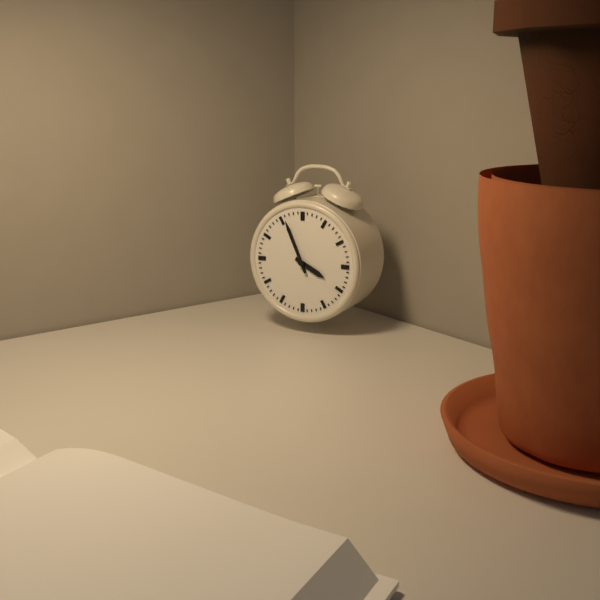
{"hour": 3, "minute": 56}
